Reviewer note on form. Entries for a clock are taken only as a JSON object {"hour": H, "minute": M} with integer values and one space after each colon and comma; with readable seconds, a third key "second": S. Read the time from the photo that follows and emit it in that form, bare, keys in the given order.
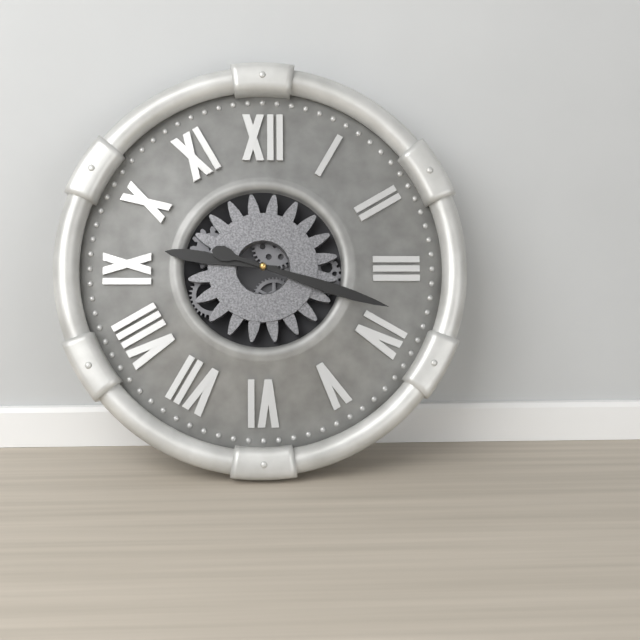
{"hour": 9, "minute": 18}
